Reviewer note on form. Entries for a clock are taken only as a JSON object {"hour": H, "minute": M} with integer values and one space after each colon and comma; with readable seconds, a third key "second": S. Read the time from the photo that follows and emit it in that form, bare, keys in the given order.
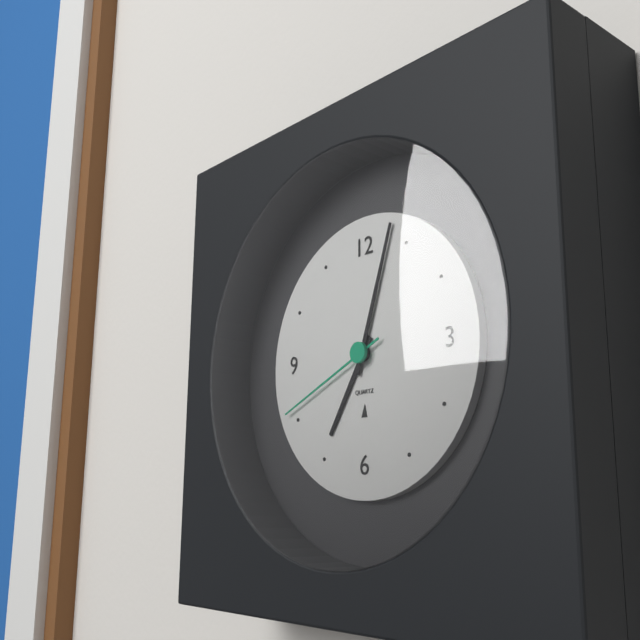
{"hour": 7, "minute": 3, "second": 41}
